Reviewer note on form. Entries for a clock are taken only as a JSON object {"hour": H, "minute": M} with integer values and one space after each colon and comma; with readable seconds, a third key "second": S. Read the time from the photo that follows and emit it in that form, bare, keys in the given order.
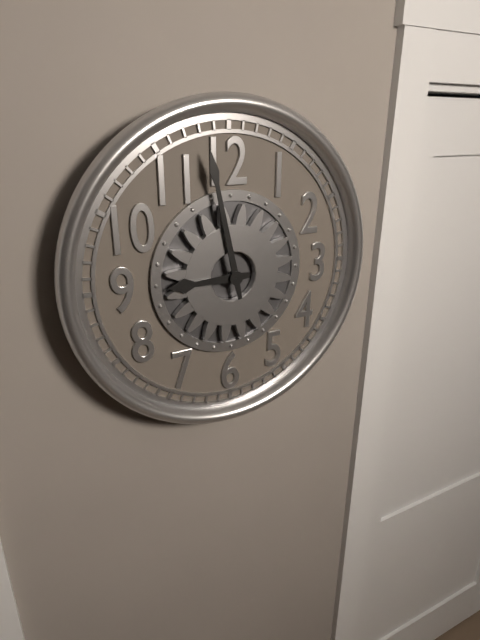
{"hour": 8, "minute": 58}
